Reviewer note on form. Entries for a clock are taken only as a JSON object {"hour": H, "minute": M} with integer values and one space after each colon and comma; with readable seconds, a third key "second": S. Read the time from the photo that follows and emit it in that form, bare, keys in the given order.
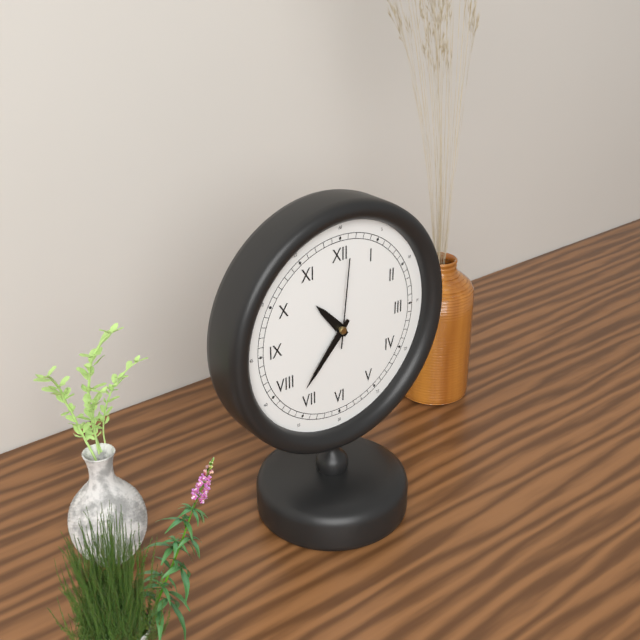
{"hour": 10, "minute": 37, "second": 1}
